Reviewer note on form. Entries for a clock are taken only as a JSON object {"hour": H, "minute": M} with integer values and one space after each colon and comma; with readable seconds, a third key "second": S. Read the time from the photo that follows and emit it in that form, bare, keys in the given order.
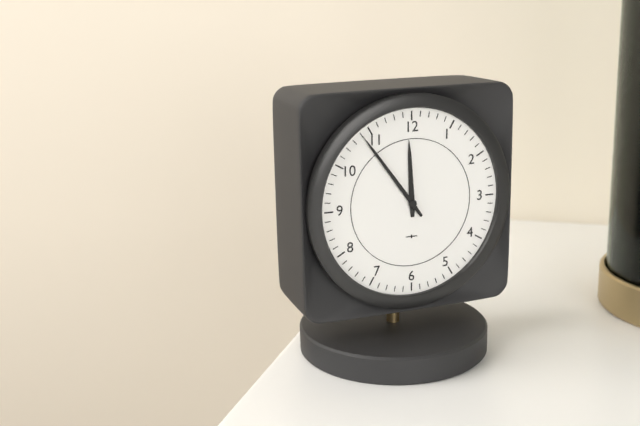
{"hour": 11, "minute": 54}
